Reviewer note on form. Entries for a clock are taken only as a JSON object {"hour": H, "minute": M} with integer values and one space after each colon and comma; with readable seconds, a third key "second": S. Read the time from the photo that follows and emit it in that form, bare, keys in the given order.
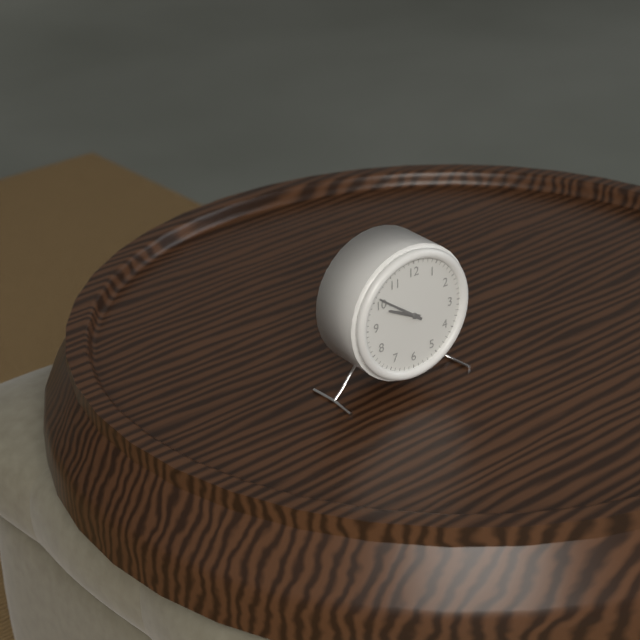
{"hour": 9, "minute": 51}
